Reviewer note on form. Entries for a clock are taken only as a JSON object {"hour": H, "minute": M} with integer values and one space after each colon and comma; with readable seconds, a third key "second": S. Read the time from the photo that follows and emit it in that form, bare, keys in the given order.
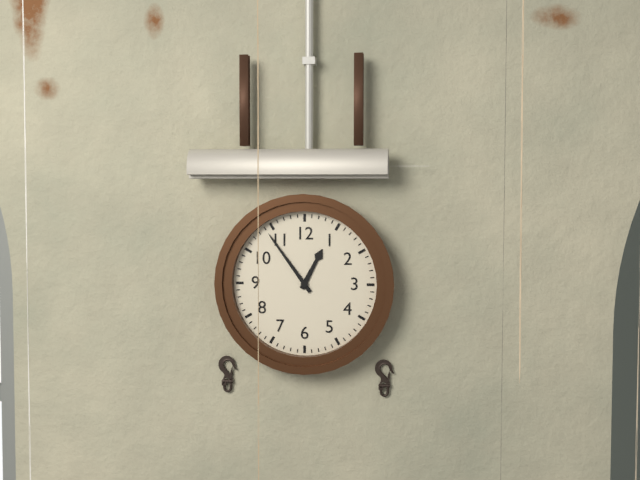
{"hour": 12, "minute": 54}
